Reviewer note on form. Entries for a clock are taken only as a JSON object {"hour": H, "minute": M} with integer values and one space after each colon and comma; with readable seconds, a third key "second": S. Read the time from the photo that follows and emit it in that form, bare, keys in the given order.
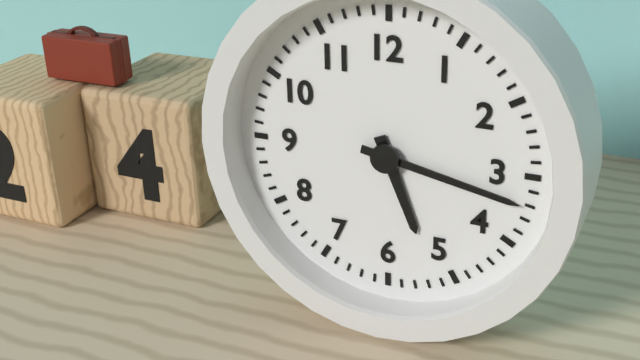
{"hour": 5, "minute": 17}
